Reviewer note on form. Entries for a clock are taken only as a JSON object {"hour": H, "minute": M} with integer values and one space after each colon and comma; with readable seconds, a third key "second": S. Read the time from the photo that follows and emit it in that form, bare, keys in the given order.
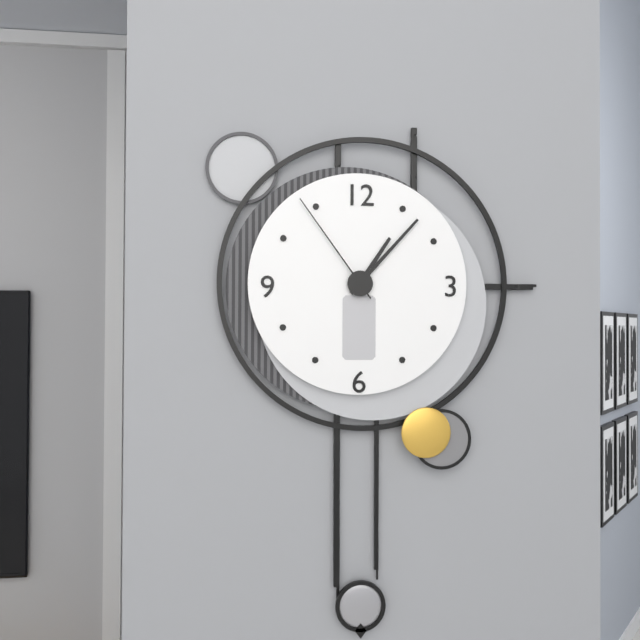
{"hour": 1, "minute": 7, "second": 54}
